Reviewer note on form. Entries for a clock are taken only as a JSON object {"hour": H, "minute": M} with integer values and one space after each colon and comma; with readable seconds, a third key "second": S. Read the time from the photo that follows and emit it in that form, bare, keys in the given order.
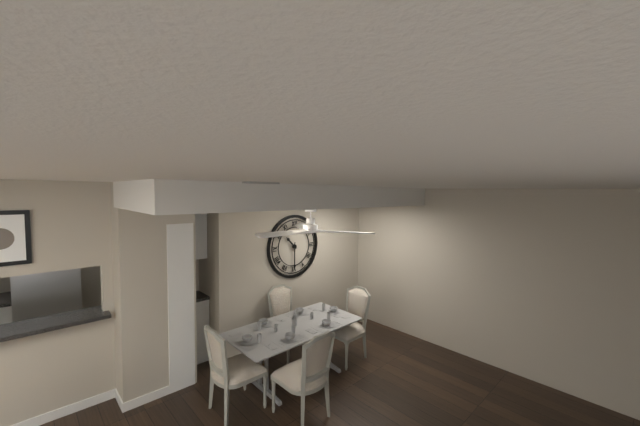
{"hour": 10, "minute": 30}
